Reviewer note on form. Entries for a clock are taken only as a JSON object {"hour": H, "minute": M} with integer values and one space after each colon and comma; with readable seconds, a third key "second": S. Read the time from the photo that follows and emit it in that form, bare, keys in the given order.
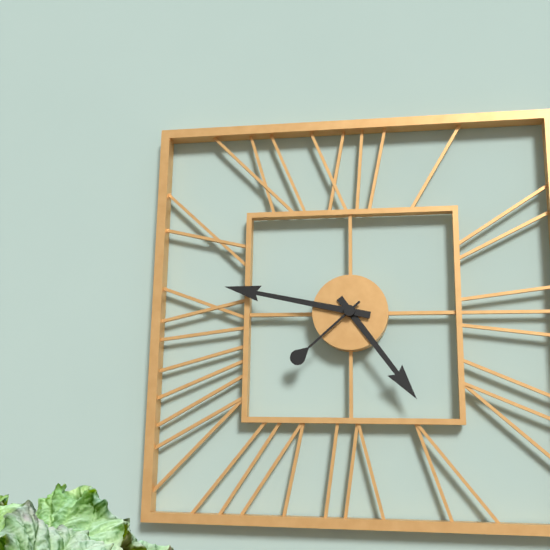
{"hour": 4, "minute": 47, "second": 38}
